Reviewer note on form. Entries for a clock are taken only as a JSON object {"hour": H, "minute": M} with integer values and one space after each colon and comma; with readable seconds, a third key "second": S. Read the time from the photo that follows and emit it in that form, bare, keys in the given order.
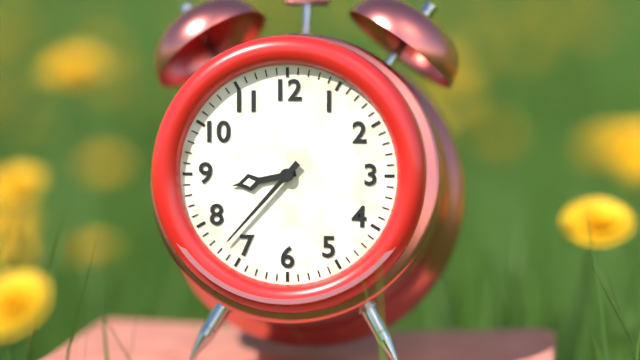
{"hour": 8, "minute": 37}
